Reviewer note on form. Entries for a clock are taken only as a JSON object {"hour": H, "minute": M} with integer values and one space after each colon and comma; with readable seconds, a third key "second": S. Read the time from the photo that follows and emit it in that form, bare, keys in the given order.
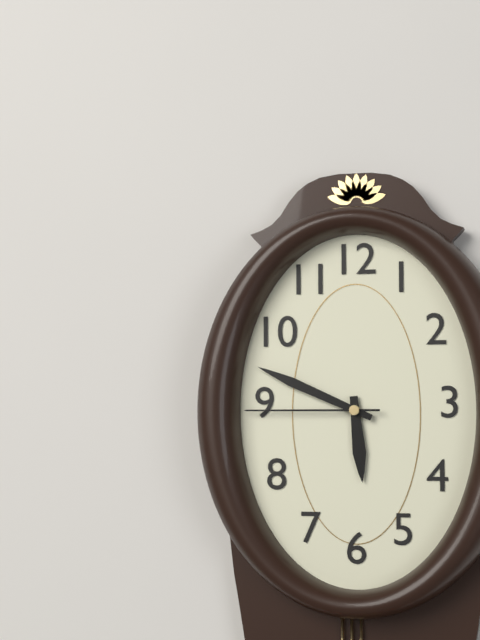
{"hour": 5, "minute": 49, "second": 45}
